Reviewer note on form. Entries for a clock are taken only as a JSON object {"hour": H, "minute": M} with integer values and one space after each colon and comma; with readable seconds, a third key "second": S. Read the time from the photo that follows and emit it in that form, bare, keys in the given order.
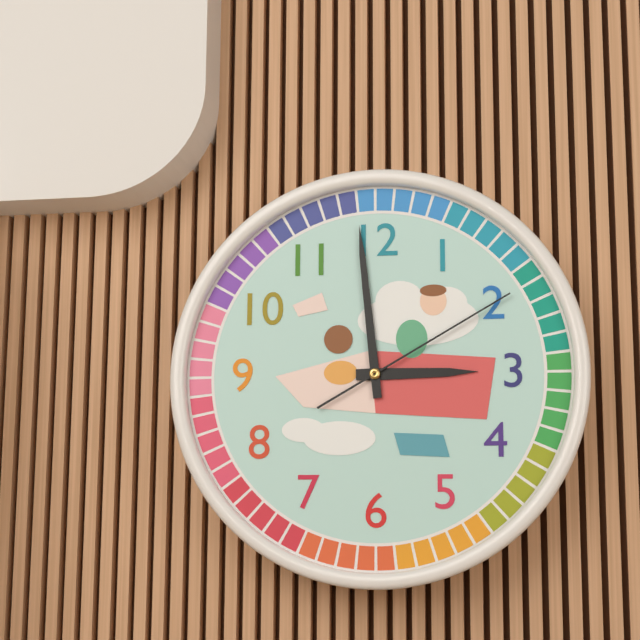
{"hour": 2, "minute": 59, "second": 10}
